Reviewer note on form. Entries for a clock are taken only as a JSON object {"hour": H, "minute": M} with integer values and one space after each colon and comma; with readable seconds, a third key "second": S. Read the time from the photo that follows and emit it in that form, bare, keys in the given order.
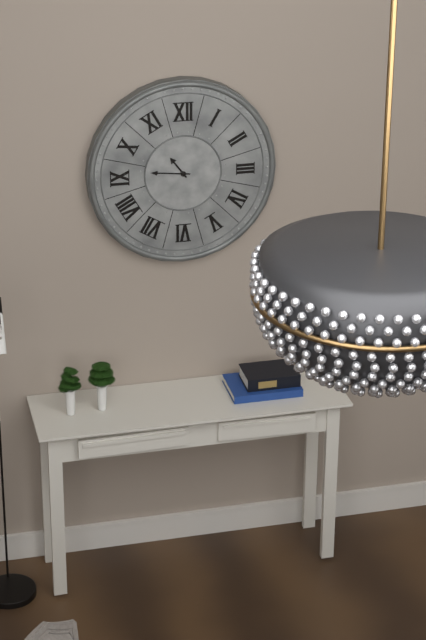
{"hour": 10, "minute": 46}
